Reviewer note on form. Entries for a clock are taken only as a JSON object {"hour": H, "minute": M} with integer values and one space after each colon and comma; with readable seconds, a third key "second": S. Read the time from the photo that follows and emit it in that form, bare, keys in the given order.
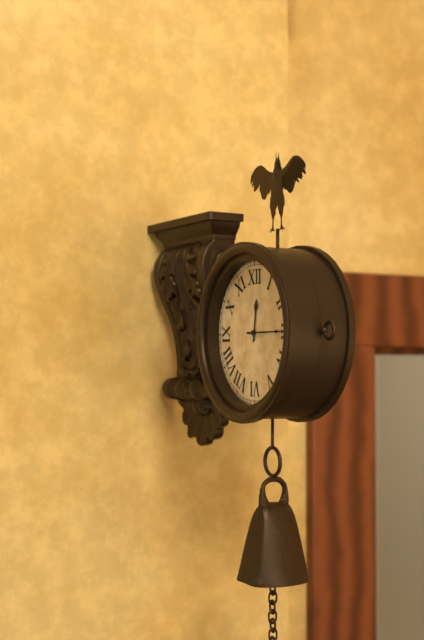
{"hour": 12, "minute": 15}
